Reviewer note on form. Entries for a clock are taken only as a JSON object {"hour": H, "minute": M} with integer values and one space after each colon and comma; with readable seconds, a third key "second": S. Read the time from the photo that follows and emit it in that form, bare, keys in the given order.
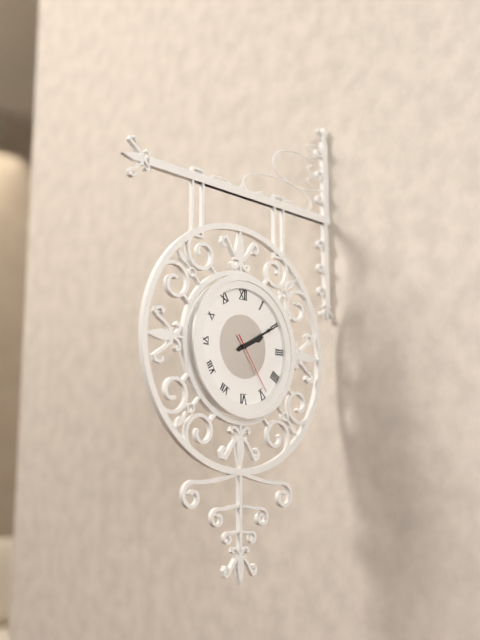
{"hour": 2, "minute": 10, "second": 24}
